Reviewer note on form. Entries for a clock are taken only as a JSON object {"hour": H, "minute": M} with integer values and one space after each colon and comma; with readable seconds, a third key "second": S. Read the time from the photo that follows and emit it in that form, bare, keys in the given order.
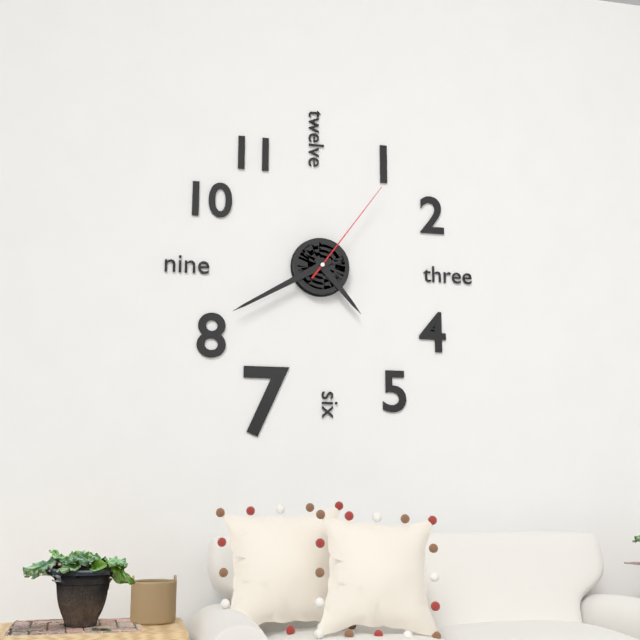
{"hour": 4, "minute": 40, "second": 6}
